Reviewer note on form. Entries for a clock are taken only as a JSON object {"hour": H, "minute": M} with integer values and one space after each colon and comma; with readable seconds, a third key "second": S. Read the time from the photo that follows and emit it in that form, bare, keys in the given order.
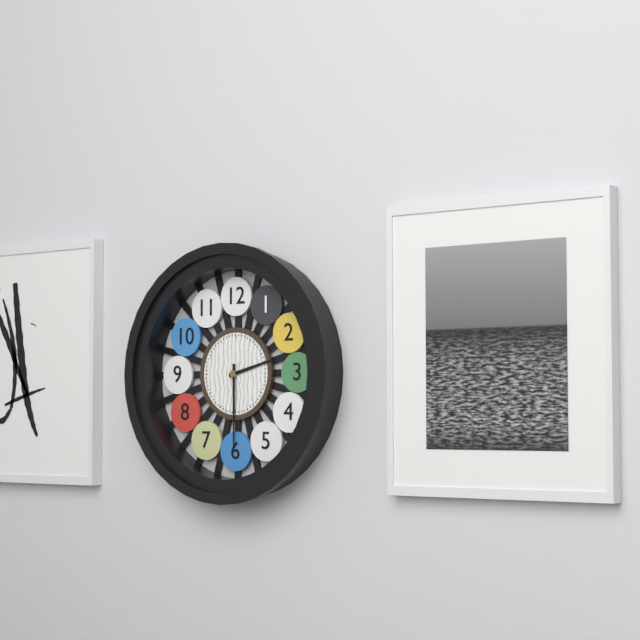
{"hour": 2, "minute": 30}
